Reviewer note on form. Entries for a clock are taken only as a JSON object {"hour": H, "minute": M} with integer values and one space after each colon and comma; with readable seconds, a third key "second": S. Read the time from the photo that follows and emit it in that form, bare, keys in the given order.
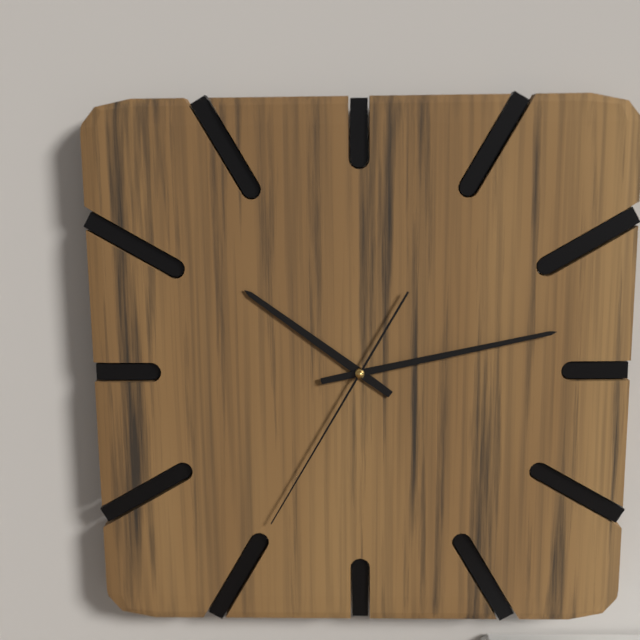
{"hour": 10, "minute": 13, "second": 35}
